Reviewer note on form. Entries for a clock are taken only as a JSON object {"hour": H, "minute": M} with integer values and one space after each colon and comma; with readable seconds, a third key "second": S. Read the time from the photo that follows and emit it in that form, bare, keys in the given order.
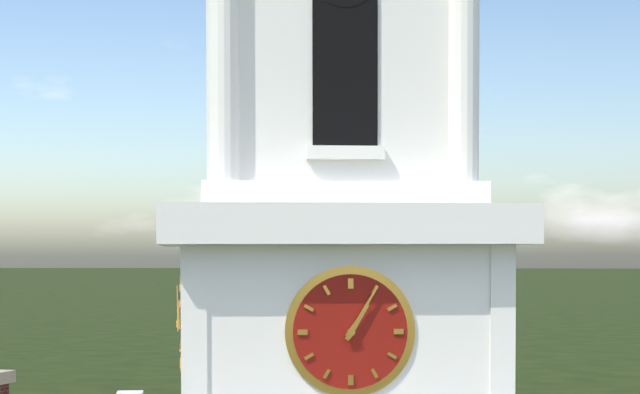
{"hour": 1, "minute": 5}
